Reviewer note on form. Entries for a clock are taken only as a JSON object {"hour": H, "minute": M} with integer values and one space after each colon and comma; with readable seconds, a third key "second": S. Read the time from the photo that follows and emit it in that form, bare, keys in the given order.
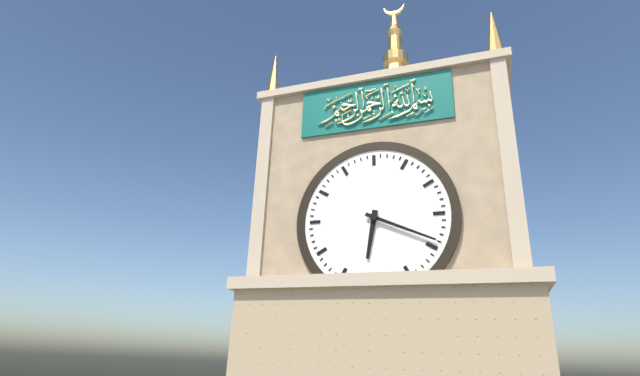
{"hour": 6, "minute": 19}
